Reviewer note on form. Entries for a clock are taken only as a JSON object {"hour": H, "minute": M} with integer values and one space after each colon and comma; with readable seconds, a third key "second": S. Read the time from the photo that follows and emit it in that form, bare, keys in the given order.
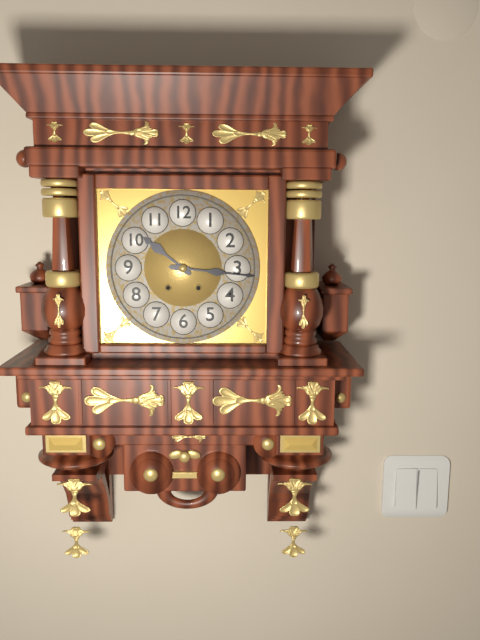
{"hour": 10, "minute": 16}
